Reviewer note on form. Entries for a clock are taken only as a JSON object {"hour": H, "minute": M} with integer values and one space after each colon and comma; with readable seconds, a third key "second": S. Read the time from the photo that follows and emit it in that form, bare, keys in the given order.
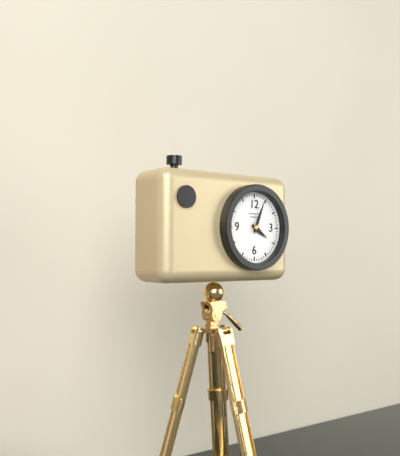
{"hour": 4, "minute": 4}
